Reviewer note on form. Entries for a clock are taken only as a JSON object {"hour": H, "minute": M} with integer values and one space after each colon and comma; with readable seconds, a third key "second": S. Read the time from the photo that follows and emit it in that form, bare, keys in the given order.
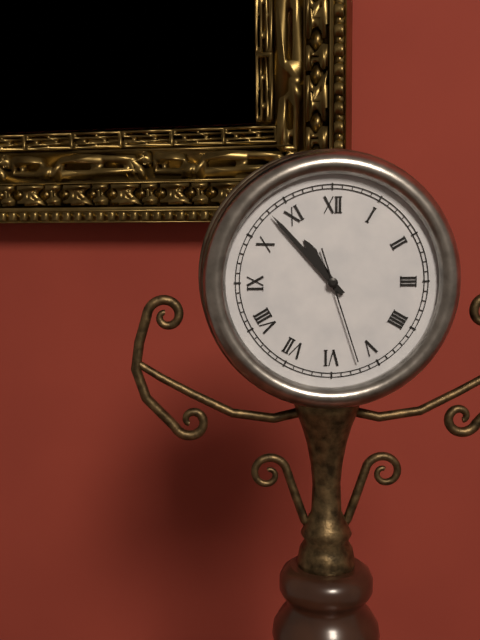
{"hour": 10, "minute": 53, "second": 27}
